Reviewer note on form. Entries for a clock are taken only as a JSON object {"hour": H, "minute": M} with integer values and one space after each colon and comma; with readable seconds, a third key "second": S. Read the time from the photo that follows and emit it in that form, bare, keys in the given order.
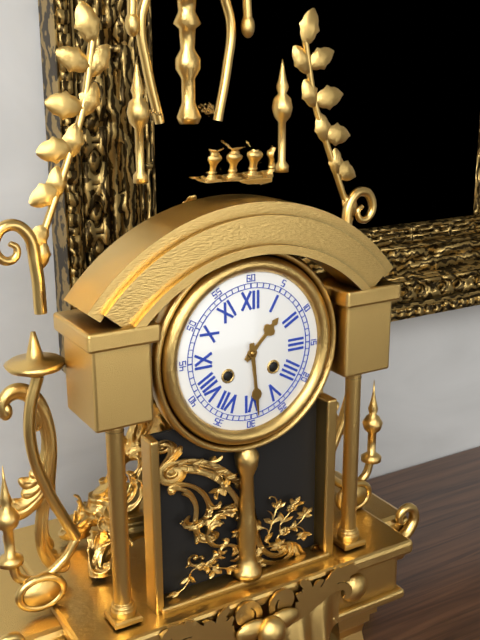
{"hour": 1, "minute": 29}
